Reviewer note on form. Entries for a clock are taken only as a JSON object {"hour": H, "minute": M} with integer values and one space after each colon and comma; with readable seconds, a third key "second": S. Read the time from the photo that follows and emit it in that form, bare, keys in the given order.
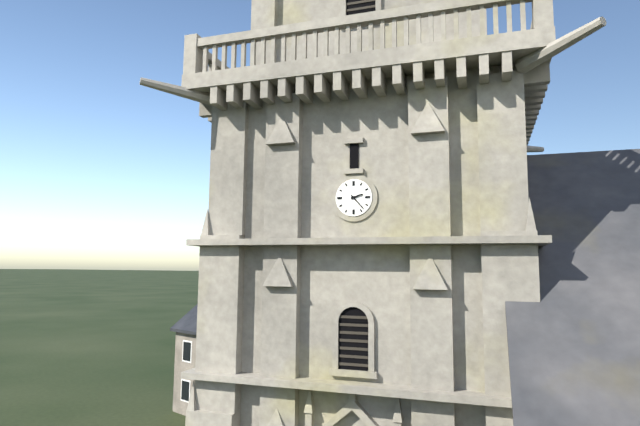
{"hour": 2, "minute": 23}
